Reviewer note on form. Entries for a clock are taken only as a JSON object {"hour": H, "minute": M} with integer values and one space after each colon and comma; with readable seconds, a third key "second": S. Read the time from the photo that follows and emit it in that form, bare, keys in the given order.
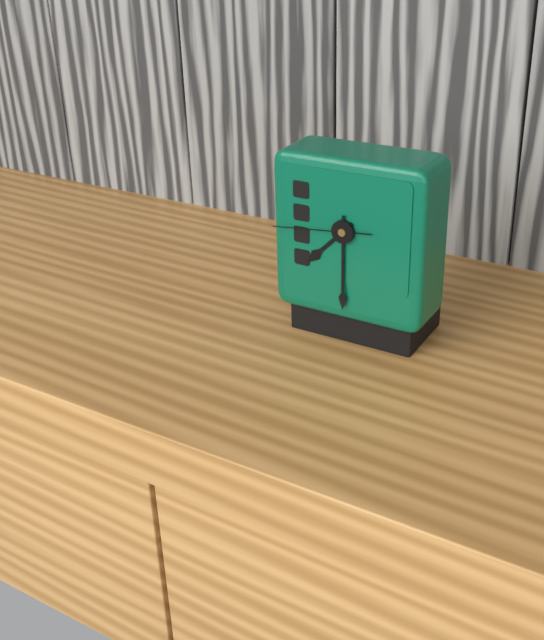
{"hour": 7, "minute": 30, "second": 44}
